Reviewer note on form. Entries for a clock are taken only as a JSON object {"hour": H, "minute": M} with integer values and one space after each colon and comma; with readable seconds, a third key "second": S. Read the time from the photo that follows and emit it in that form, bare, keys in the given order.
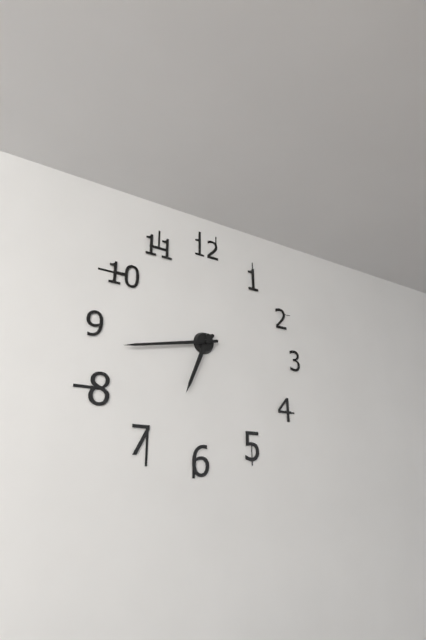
{"hour": 6, "minute": 43}
